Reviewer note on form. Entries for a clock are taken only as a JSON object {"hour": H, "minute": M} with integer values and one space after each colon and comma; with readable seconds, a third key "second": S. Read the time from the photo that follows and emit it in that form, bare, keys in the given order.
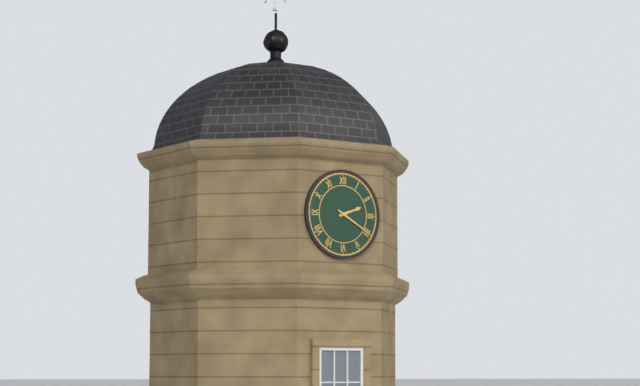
{"hour": 2, "minute": 20}
